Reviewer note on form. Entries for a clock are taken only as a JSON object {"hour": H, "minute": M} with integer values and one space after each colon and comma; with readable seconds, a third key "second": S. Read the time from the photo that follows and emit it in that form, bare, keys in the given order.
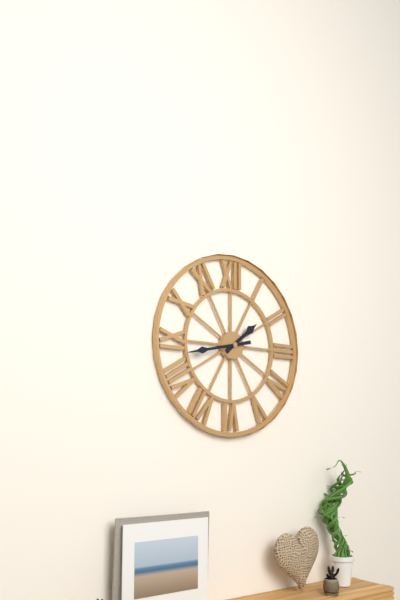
{"hour": 1, "minute": 43}
